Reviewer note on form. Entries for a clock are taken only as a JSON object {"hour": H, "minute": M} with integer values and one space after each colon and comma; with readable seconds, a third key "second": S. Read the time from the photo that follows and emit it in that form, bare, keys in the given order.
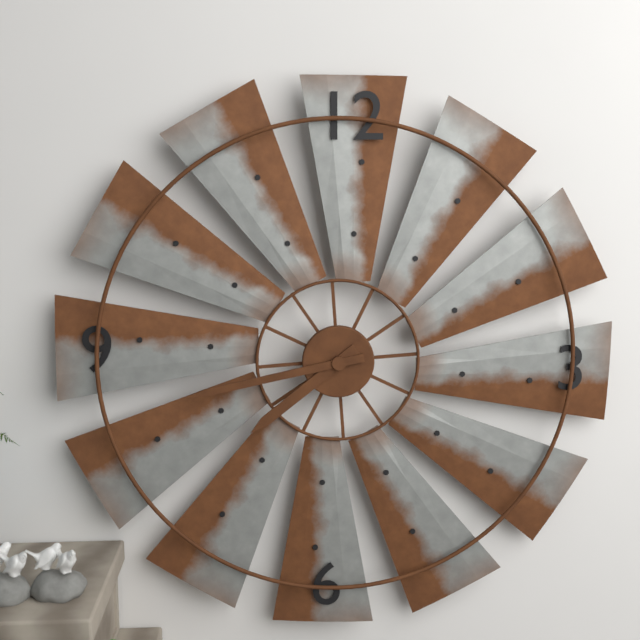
{"hour": 7, "minute": 43}
